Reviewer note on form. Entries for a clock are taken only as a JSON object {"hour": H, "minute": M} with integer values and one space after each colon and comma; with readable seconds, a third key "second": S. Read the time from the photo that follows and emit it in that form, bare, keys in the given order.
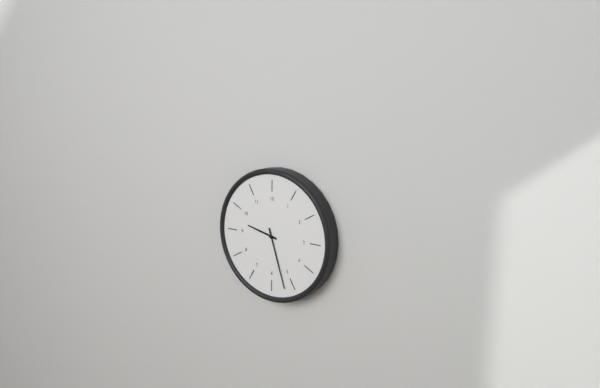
{"hour": 9, "minute": 27}
